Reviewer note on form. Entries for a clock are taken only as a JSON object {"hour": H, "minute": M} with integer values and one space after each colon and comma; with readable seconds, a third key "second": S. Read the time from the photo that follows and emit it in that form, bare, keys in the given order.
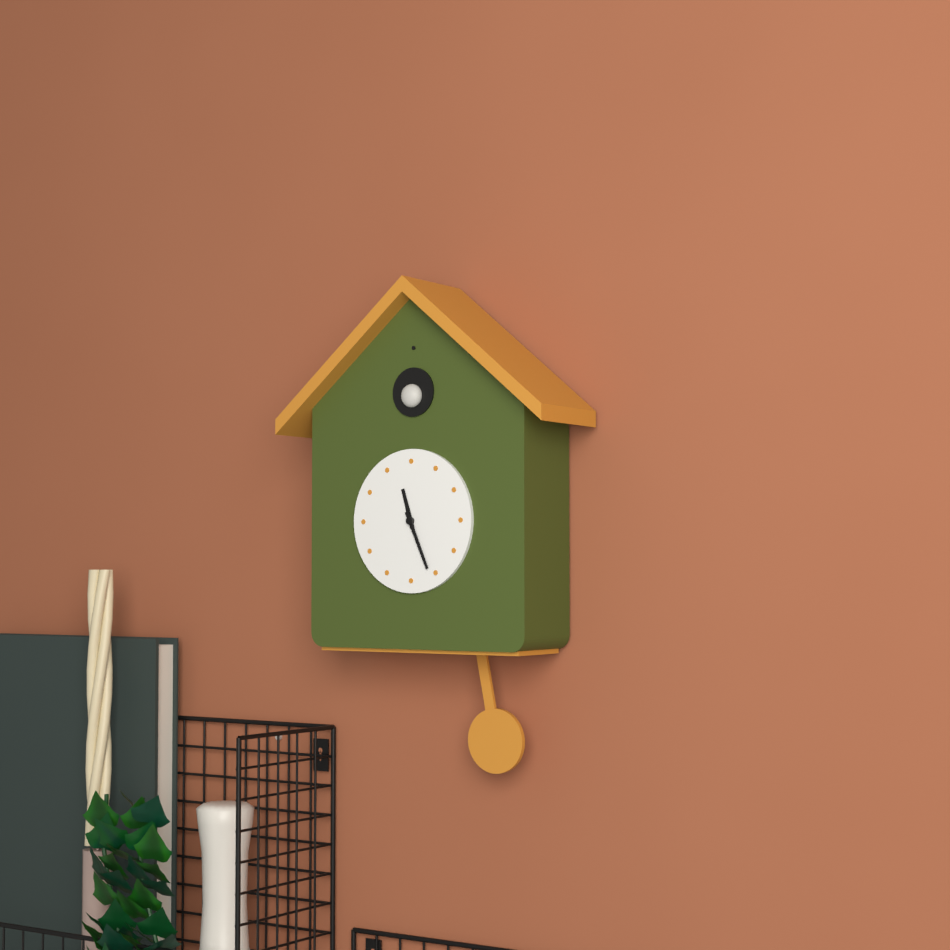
{"hour": 11, "minute": 26}
